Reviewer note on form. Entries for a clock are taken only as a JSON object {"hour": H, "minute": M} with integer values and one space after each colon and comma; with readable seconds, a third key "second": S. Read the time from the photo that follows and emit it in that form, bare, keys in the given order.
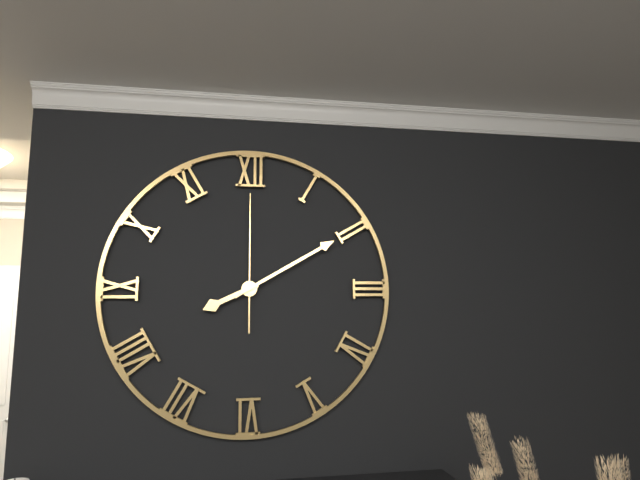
{"hour": 8, "minute": 10, "second": 0}
